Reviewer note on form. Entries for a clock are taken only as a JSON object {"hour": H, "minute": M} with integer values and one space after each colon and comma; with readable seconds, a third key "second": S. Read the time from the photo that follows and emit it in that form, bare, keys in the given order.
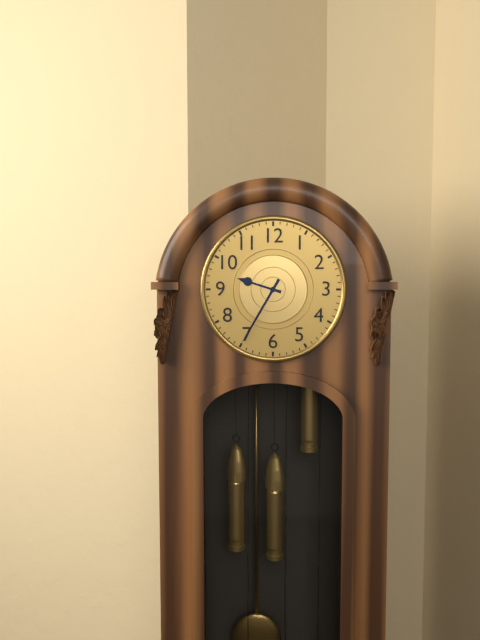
{"hour": 9, "minute": 35}
